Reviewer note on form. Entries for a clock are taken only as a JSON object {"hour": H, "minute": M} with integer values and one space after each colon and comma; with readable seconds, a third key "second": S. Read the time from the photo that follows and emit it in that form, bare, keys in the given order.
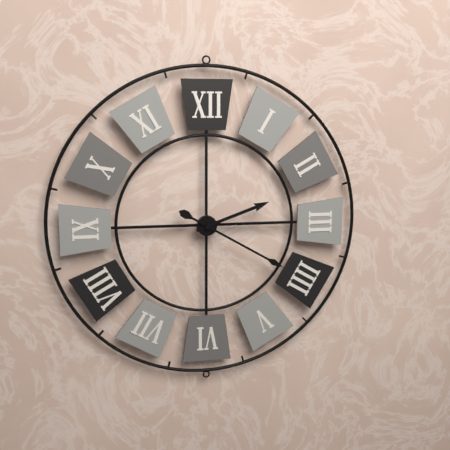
{"hour": 2, "minute": 20}
